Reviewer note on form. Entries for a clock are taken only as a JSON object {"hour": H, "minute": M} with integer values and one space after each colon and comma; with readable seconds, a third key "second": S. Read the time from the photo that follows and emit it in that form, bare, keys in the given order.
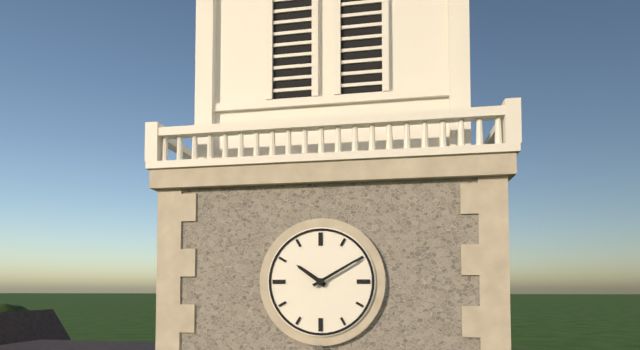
{"hour": 10, "minute": 10}
